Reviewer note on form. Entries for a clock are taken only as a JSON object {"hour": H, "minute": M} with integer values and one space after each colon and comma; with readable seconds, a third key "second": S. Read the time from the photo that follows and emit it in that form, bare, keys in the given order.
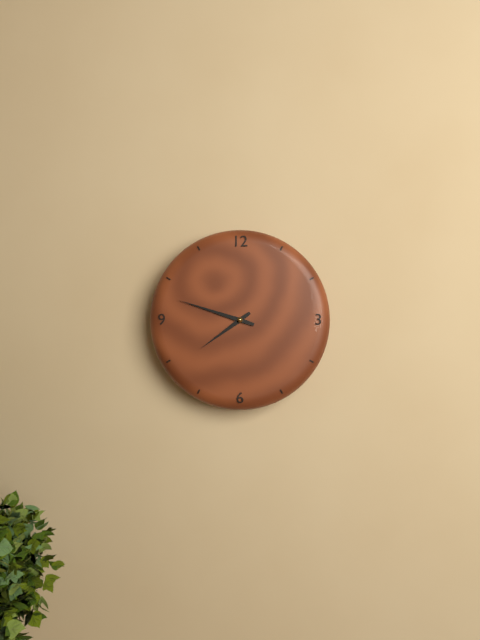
{"hour": 7, "minute": 48}
